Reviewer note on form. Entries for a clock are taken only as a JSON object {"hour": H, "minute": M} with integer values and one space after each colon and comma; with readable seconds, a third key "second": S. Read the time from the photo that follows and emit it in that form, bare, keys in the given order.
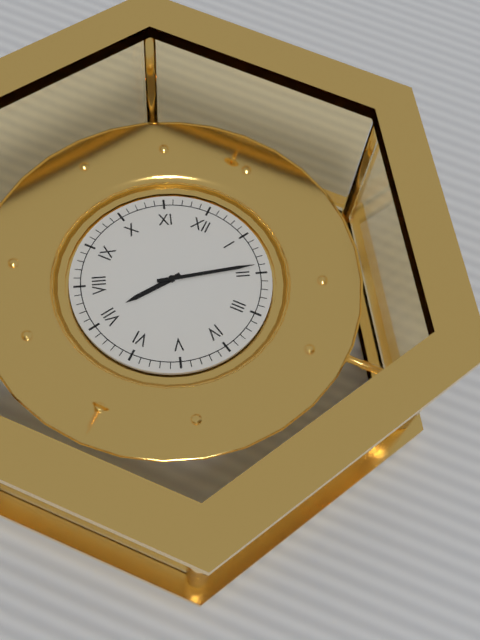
{"hour": 7, "minute": 9}
